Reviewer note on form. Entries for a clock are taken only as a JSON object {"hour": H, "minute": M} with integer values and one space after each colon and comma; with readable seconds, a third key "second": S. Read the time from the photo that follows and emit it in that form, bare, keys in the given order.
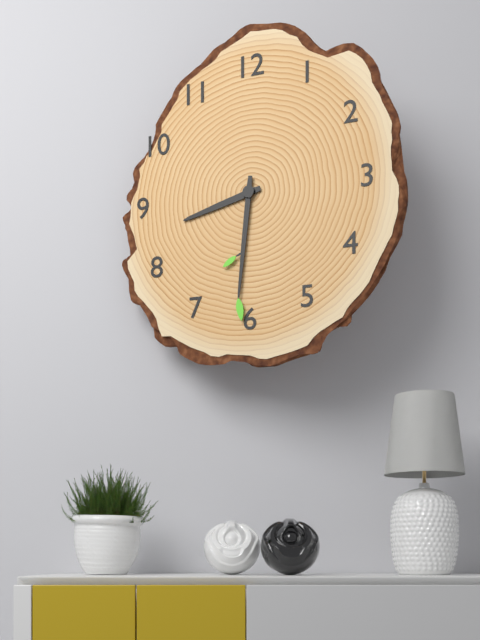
{"hour": 8, "minute": 31}
